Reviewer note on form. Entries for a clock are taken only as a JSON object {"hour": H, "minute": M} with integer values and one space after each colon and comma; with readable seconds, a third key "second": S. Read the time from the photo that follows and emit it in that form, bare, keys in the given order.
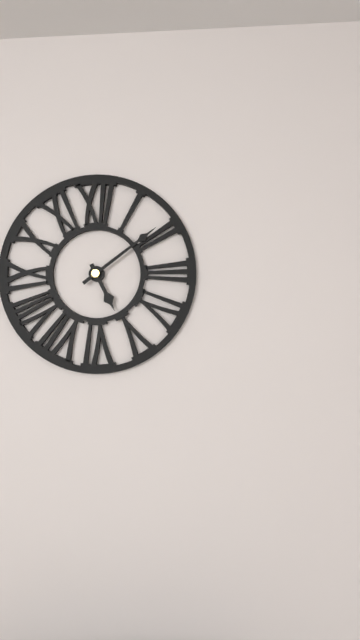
{"hour": 5, "minute": 9}
